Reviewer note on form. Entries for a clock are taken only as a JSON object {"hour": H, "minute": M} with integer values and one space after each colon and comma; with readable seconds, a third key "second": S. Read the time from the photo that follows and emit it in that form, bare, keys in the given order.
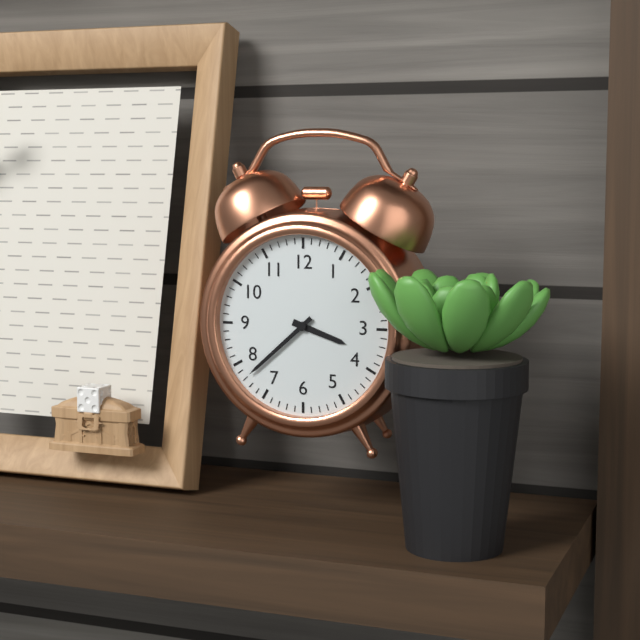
{"hour": 3, "minute": 38}
